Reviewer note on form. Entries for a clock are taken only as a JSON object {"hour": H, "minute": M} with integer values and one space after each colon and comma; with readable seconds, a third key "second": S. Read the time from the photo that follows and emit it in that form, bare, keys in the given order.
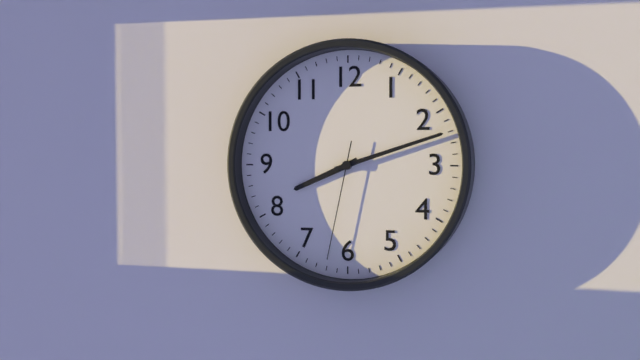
{"hour": 8, "minute": 12, "second": 32}
